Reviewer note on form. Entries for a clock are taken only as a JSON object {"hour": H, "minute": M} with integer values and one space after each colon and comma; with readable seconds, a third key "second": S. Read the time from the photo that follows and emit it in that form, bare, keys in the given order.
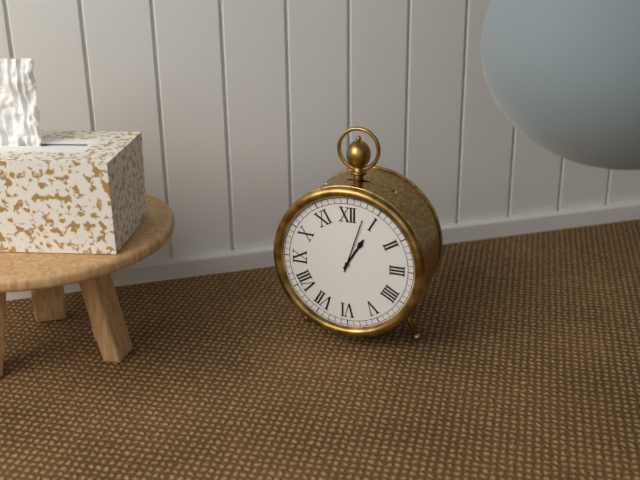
{"hour": 1, "minute": 3}
